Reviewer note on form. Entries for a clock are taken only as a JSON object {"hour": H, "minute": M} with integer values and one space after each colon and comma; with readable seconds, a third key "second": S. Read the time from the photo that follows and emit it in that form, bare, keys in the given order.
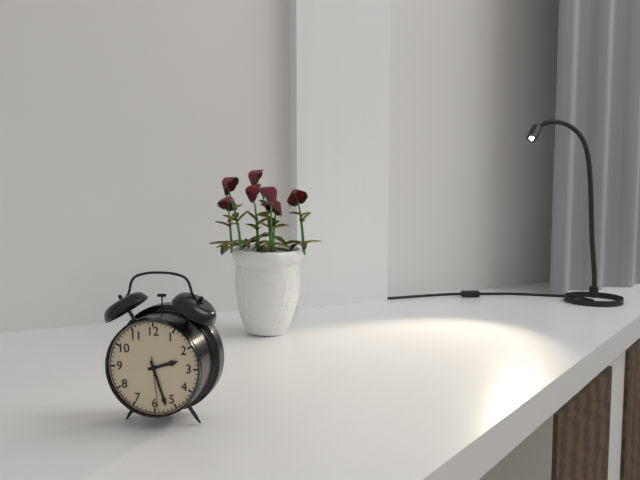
{"hour": 2, "minute": 27, "second": 29}
